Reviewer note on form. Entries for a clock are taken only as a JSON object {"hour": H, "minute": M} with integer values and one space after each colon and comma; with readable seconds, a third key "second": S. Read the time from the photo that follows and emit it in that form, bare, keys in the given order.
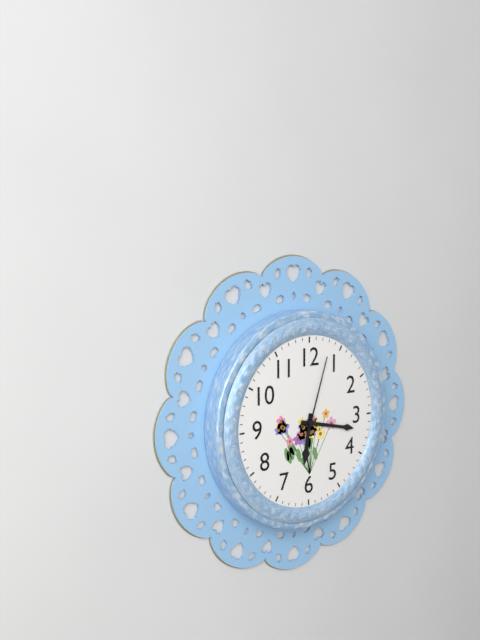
{"hour": 6, "minute": 17, "second": 3}
